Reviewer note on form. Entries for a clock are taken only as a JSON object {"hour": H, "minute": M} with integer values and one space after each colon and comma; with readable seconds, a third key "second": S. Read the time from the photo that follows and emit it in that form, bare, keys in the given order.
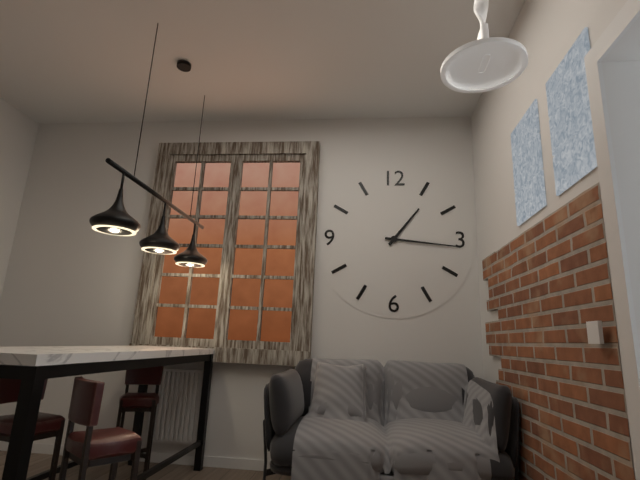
{"hour": 1, "minute": 16}
